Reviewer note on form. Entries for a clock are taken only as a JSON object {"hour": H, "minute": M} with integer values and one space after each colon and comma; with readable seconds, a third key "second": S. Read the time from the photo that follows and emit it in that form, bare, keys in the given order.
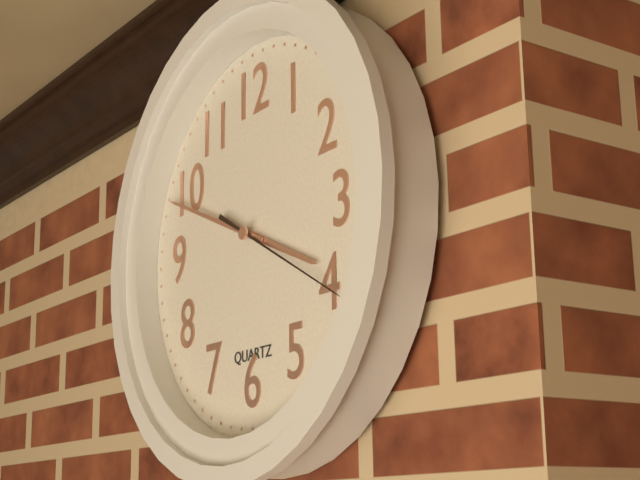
{"hour": 3, "minute": 49, "second": 20}
